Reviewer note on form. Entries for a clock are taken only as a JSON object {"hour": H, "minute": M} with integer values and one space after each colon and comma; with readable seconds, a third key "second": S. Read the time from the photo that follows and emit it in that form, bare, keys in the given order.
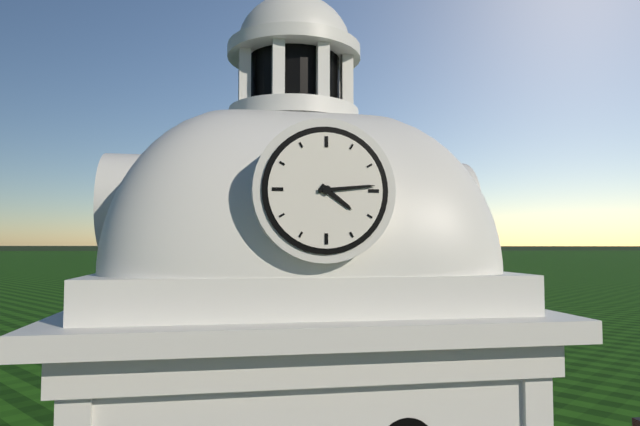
{"hour": 4, "minute": 14}
